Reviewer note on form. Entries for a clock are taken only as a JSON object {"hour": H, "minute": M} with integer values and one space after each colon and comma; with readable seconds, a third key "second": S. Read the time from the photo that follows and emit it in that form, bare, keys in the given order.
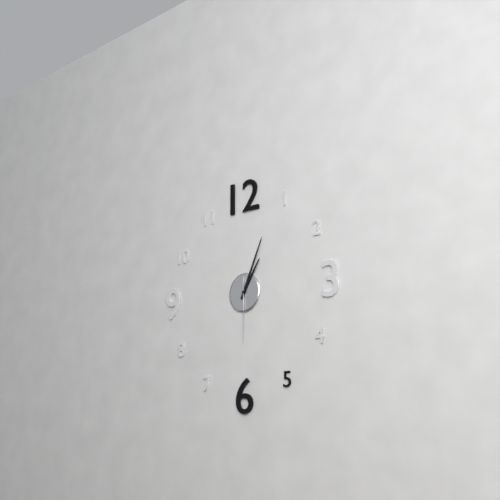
{"hour": 1, "minute": 4, "second": 30}
